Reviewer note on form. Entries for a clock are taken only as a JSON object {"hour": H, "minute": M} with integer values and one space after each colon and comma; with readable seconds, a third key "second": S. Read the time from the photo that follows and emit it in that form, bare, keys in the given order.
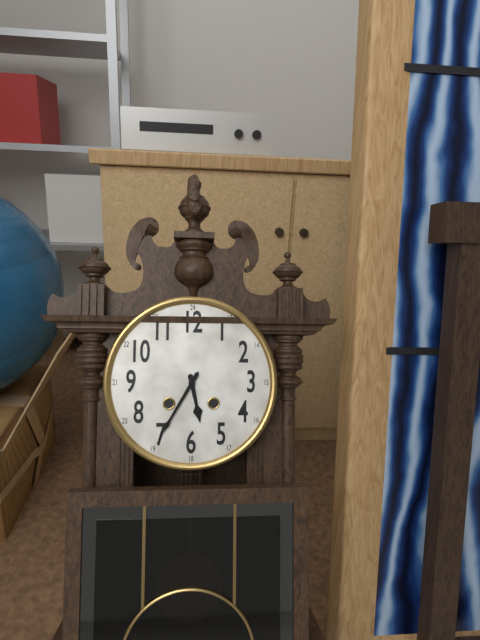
{"hour": 5, "minute": 35}
